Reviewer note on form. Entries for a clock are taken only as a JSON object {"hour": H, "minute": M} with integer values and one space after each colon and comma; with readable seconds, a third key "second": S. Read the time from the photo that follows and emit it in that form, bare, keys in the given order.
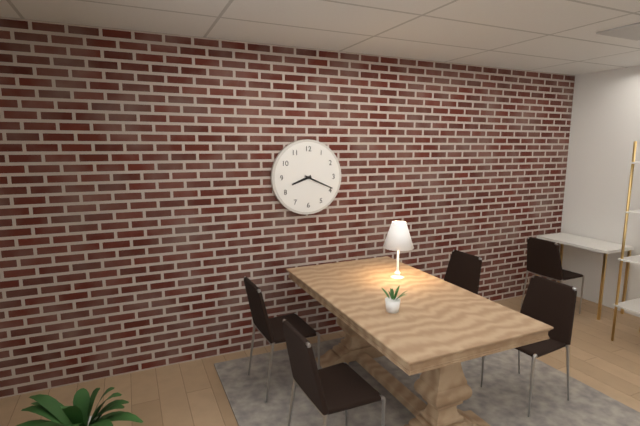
{"hour": 8, "minute": 19}
